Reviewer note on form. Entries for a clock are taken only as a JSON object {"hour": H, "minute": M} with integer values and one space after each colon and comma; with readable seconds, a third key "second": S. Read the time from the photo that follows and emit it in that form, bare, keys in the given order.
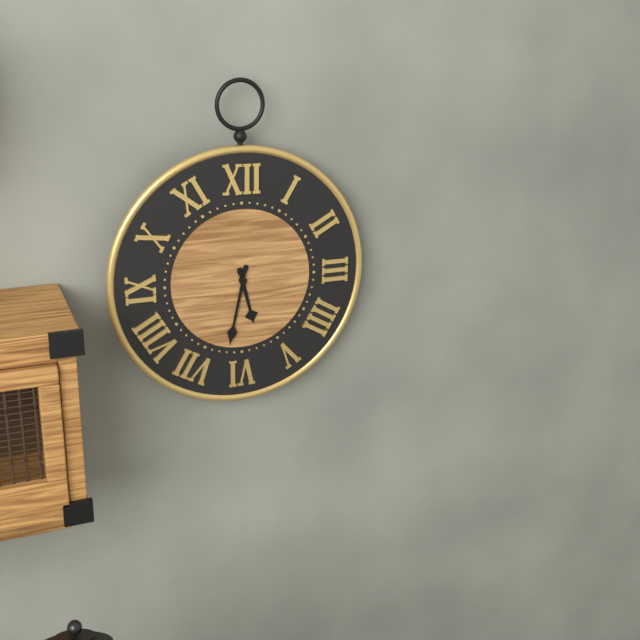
{"hour": 5, "minute": 32}
